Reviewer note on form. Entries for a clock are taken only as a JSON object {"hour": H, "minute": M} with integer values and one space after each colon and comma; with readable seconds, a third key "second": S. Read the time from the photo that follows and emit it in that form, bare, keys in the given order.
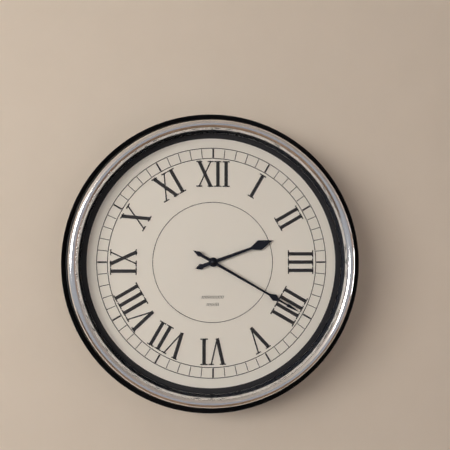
{"hour": 2, "minute": 20}
